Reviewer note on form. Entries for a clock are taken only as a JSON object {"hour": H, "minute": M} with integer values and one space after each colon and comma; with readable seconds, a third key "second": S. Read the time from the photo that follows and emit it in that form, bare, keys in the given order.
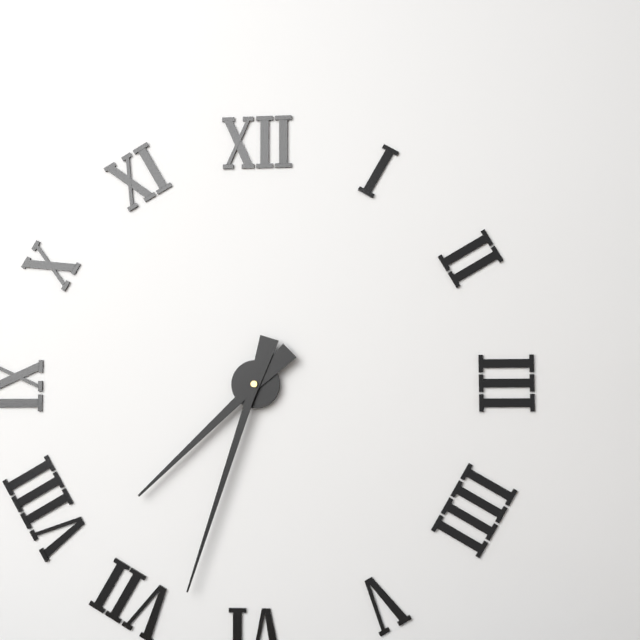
{"hour": 7, "minute": 33}
